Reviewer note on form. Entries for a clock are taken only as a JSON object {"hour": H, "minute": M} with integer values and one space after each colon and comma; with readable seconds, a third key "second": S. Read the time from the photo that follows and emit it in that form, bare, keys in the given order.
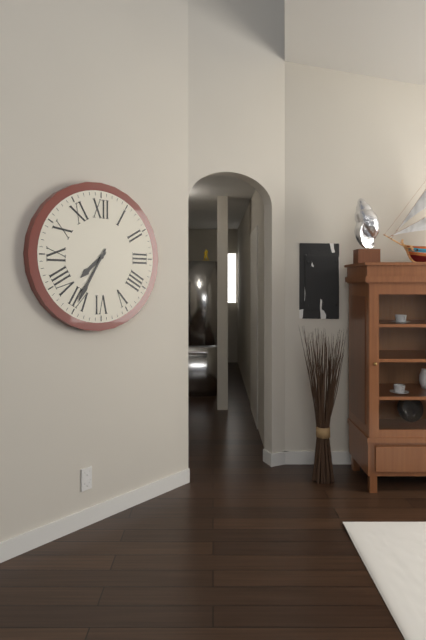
{"hour": 7, "minute": 35}
